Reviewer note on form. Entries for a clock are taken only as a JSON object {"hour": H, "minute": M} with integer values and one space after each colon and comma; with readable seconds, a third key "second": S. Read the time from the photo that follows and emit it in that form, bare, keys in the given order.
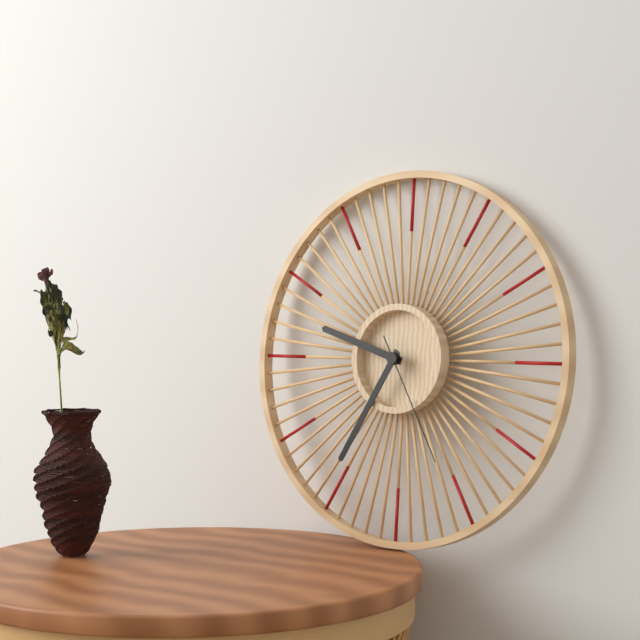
{"hour": 9, "minute": 35, "second": 25}
